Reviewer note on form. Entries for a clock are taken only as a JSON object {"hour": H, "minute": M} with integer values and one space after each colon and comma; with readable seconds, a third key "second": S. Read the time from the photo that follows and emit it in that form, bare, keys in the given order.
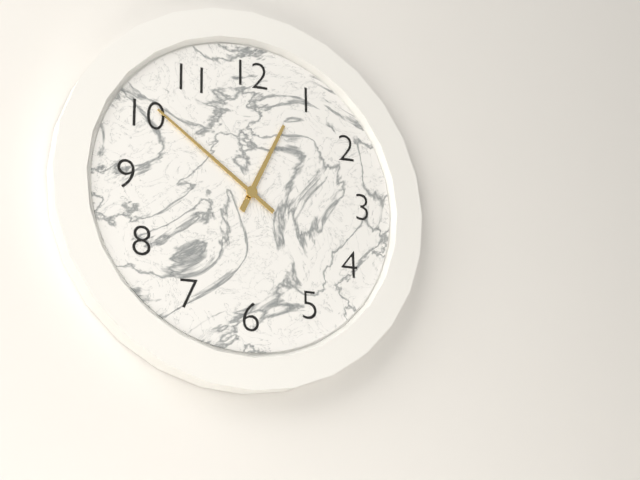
{"hour": 12, "minute": 51}
